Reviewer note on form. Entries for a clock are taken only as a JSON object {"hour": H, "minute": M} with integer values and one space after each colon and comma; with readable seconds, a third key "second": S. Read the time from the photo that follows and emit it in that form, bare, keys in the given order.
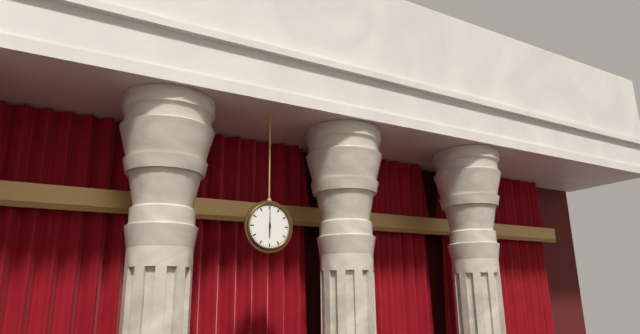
{"hour": 6, "minute": 0}
